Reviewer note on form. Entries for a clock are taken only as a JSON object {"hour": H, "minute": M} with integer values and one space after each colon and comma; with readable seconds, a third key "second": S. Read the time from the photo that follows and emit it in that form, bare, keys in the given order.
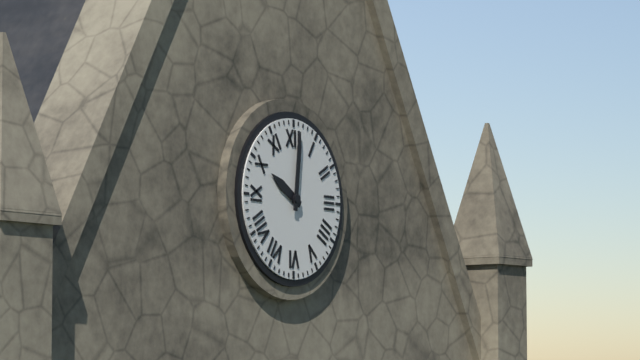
{"hour": 10, "minute": 1}
